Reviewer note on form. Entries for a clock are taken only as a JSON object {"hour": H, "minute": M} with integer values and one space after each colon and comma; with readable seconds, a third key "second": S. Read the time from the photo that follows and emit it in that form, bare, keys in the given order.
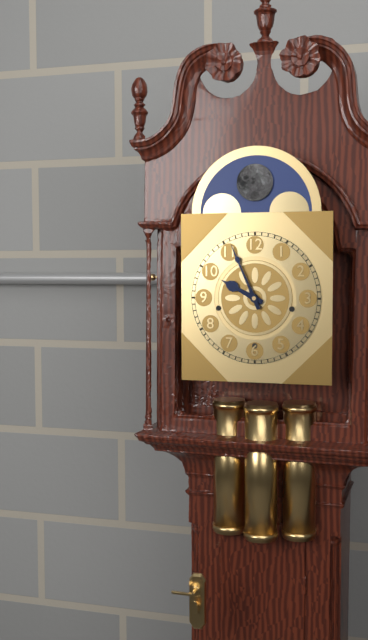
{"hour": 9, "minute": 56}
